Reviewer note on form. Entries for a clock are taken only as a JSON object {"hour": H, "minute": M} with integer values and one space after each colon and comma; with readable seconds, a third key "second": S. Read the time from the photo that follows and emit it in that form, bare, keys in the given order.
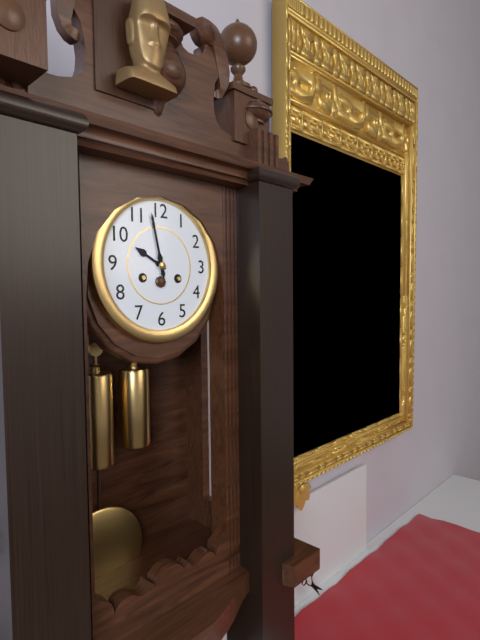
{"hour": 9, "minute": 58}
